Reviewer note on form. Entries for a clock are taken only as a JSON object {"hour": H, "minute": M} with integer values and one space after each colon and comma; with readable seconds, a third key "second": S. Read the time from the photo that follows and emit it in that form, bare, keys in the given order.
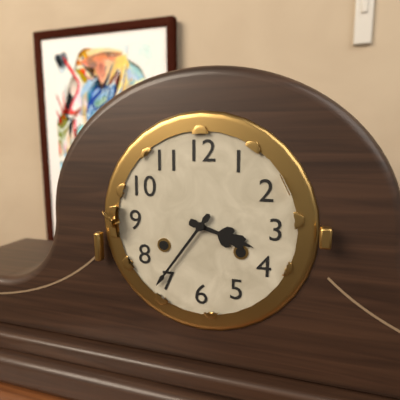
{"hour": 3, "minute": 36}
